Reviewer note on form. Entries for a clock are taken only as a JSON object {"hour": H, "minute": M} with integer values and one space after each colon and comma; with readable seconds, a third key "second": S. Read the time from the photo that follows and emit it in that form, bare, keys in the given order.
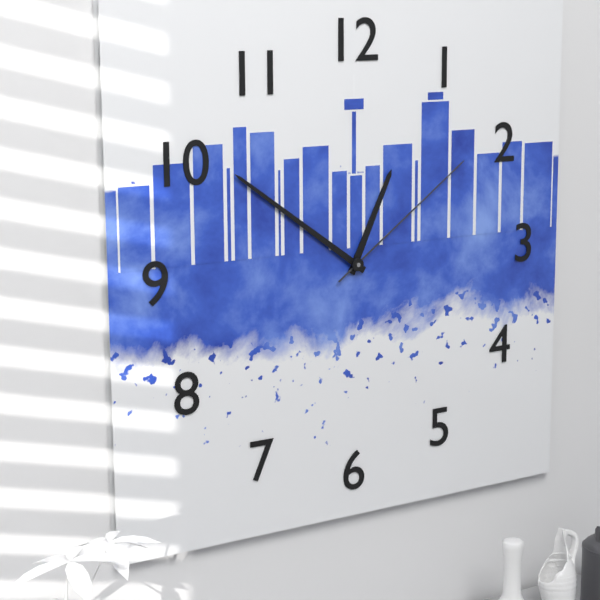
{"hour": 12, "minute": 51, "second": 9}
